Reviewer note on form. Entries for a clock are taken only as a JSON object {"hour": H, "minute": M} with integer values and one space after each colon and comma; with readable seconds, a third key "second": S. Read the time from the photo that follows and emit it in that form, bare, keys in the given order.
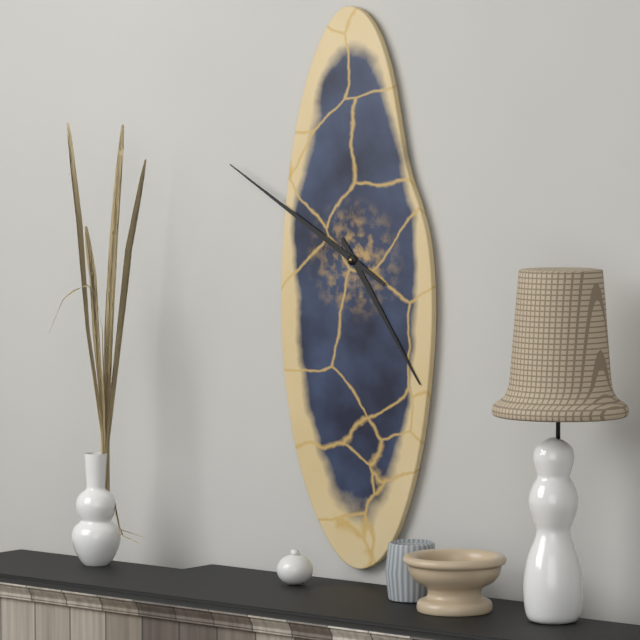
{"hour": 4, "minute": 50}
